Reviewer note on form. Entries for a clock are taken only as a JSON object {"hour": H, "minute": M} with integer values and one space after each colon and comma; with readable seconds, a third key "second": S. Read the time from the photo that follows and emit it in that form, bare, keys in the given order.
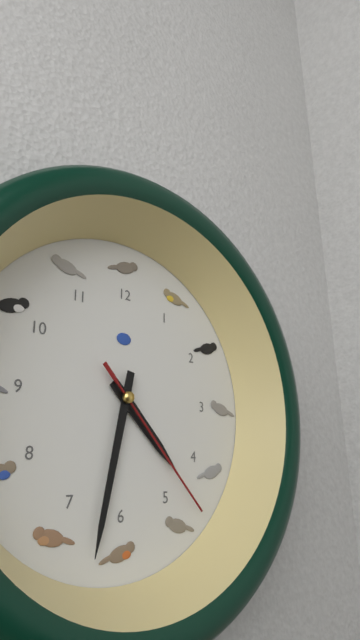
{"hour": 4, "minute": 32, "second": 23}
